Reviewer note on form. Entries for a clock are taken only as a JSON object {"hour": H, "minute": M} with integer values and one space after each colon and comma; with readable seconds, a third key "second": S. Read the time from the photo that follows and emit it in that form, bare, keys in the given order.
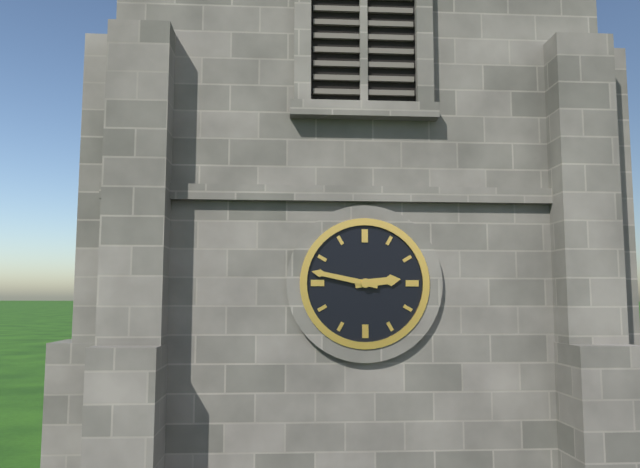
{"hour": 2, "minute": 47}
